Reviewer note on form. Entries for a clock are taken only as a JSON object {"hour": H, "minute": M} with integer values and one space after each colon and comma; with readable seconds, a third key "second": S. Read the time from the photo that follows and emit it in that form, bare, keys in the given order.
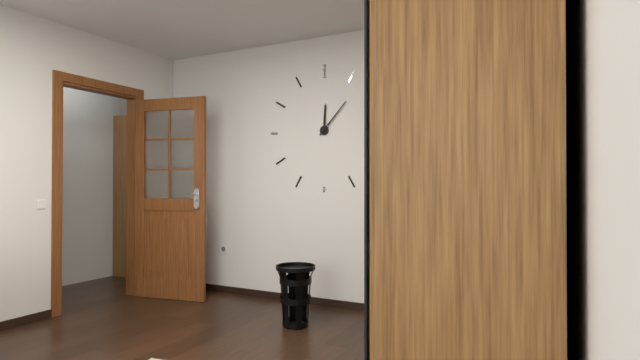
{"hour": 12, "minute": 7}
